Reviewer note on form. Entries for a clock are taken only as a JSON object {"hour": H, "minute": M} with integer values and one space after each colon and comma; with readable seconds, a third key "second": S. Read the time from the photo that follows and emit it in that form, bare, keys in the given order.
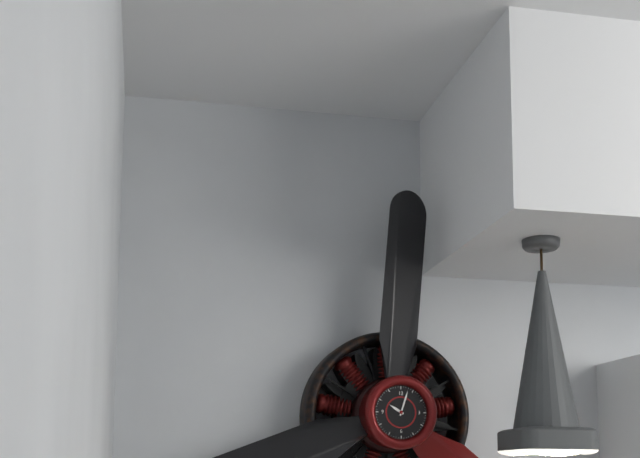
{"hour": 10, "minute": 3}
